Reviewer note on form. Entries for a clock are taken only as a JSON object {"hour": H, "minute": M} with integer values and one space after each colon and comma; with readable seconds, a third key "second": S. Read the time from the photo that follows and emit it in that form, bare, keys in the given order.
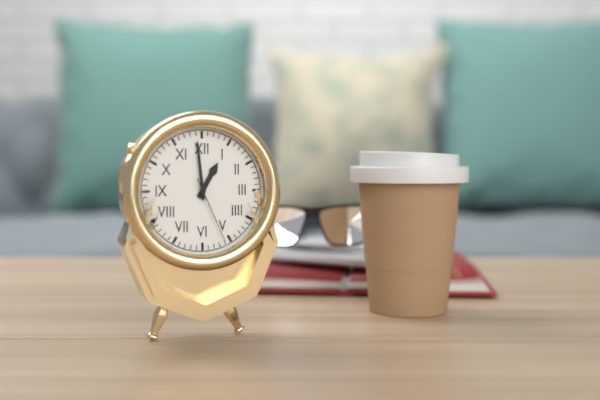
{"hour": 12, "minute": 59, "second": 26}
